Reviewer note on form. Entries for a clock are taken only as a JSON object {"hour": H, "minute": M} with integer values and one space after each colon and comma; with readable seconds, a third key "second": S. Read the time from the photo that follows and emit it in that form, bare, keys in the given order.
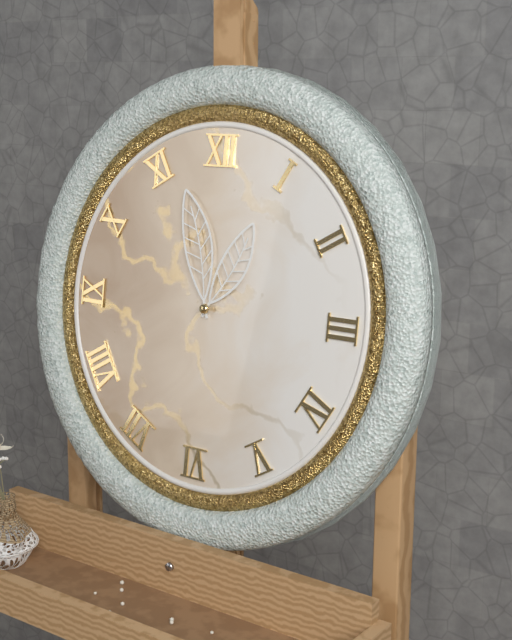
{"hour": 12, "minute": 57}
